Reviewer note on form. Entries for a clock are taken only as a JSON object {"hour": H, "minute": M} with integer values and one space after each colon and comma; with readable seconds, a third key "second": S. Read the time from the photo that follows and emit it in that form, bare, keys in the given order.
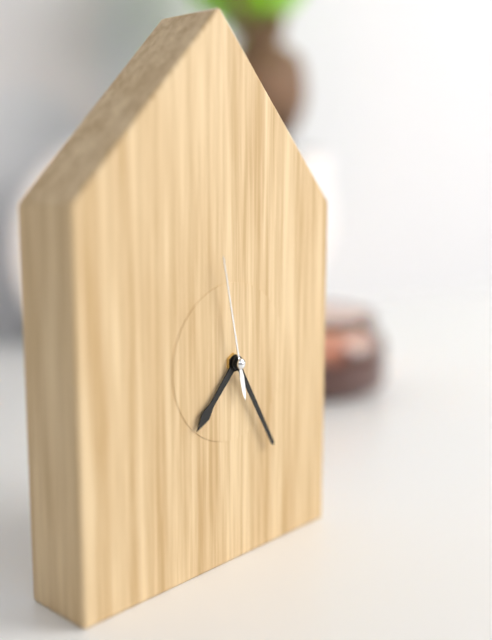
{"hour": 7, "minute": 25, "second": 58}
